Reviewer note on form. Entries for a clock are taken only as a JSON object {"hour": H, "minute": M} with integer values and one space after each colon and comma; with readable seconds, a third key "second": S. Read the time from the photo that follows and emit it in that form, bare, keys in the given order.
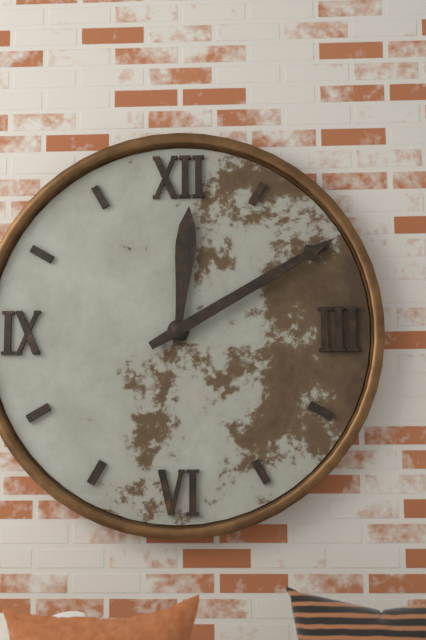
{"hour": 12, "minute": 10}
